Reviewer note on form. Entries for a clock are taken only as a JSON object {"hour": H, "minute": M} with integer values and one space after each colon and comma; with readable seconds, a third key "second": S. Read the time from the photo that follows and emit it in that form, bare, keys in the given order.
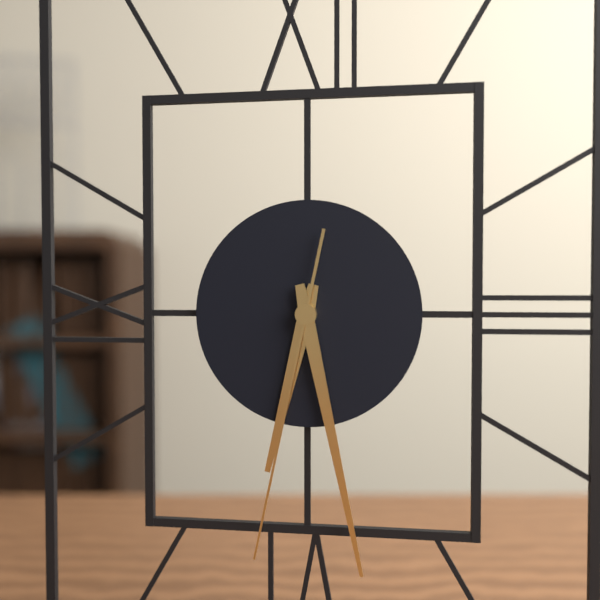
{"hour": 6, "minute": 28, "second": 32}
